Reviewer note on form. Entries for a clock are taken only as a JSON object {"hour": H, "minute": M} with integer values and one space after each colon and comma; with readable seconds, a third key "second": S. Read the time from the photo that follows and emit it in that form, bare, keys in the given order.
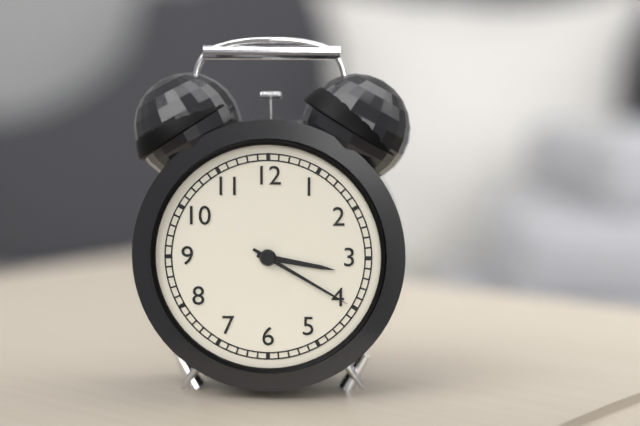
{"hour": 3, "minute": 20}
